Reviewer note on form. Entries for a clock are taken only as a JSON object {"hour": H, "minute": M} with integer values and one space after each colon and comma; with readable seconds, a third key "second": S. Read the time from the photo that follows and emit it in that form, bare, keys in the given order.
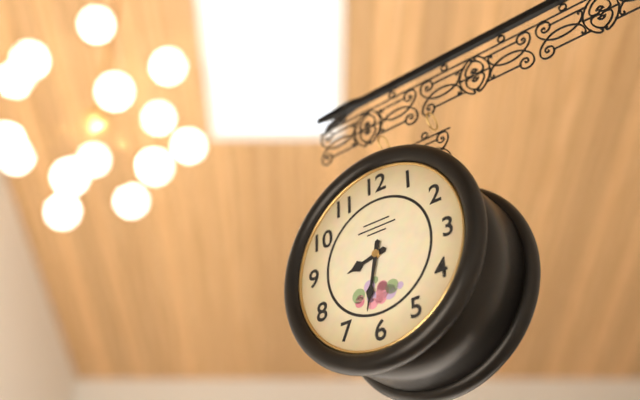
{"hour": 8, "minute": 32}
